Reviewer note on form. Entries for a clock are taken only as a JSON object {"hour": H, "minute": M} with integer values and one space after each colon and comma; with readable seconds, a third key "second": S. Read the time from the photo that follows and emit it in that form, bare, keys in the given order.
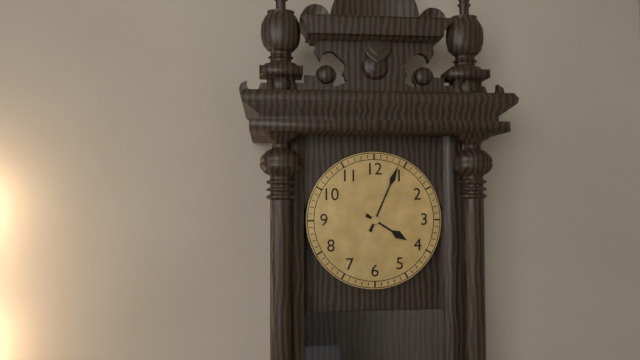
{"hour": 4, "minute": 4}
